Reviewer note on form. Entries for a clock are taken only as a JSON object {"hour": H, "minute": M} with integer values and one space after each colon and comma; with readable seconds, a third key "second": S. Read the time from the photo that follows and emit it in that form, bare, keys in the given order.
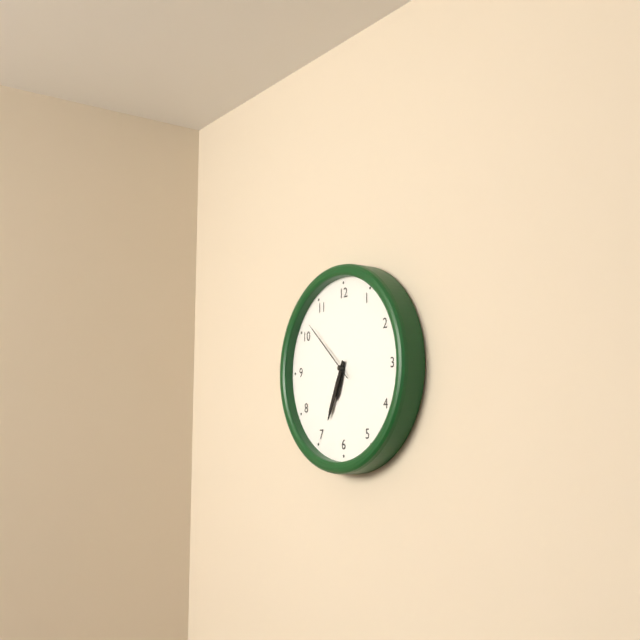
{"hour": 6, "minute": 34, "second": 52}
